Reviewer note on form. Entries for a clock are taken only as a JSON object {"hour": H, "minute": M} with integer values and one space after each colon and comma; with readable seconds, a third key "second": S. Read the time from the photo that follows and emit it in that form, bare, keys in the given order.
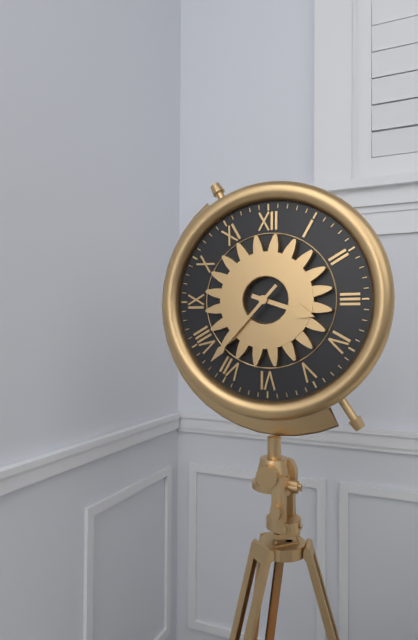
{"hour": 3, "minute": 37}
